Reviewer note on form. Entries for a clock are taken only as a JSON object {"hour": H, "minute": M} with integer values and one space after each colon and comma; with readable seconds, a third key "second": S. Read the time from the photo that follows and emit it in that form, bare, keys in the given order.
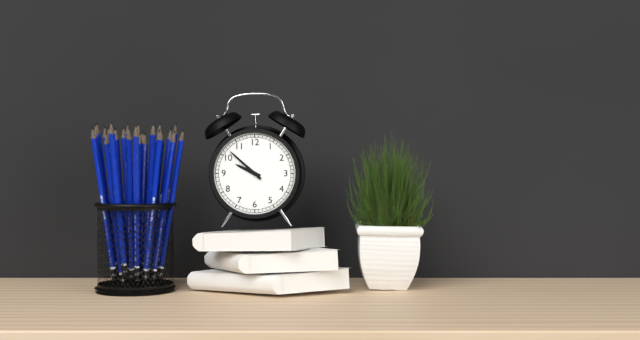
{"hour": 9, "minute": 52}
